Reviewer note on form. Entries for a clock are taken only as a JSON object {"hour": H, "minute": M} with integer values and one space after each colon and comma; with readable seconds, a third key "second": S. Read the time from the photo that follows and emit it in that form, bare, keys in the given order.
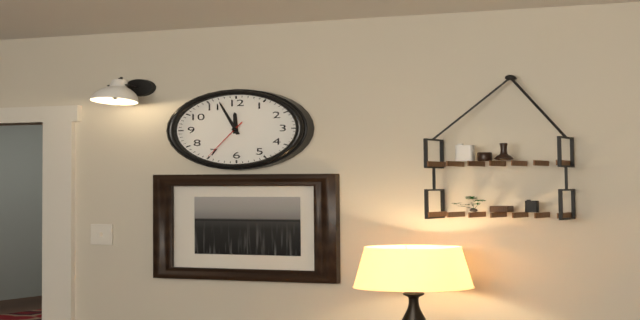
{"hour": 11, "minute": 57}
